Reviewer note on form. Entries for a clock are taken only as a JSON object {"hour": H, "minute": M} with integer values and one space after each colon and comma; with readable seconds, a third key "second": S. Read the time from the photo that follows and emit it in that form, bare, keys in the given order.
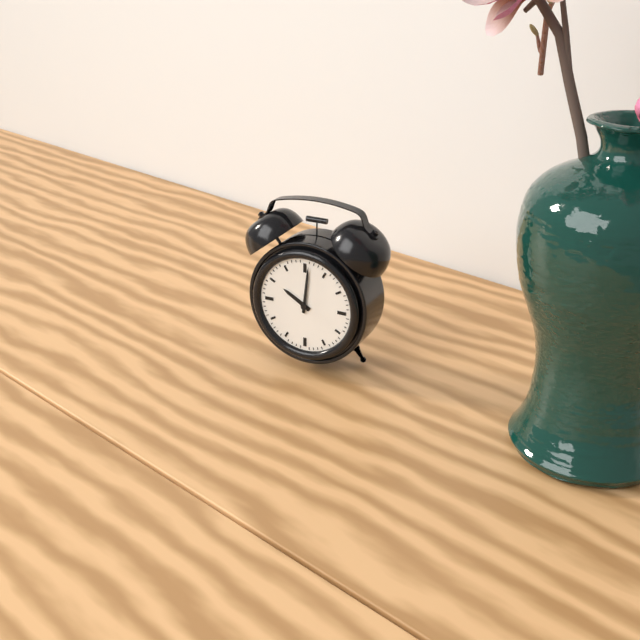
{"hour": 10, "minute": 1}
